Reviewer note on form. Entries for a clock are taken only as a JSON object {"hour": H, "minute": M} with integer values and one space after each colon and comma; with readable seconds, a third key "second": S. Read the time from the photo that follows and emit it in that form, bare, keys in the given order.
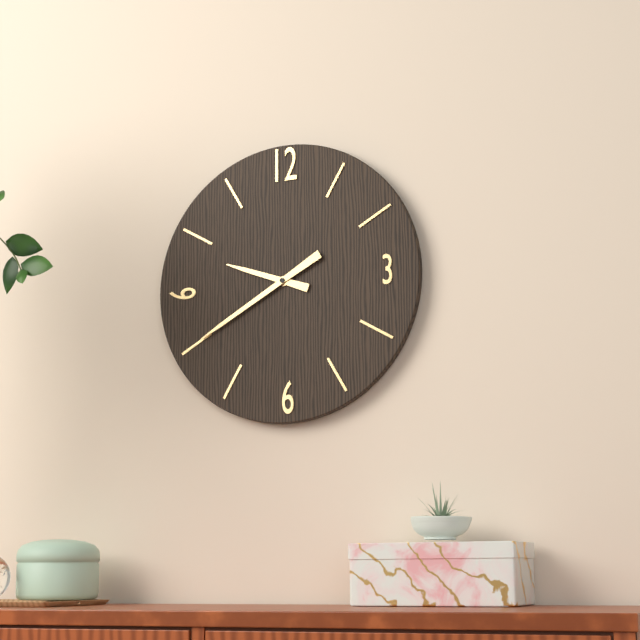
{"hour": 9, "minute": 40}
